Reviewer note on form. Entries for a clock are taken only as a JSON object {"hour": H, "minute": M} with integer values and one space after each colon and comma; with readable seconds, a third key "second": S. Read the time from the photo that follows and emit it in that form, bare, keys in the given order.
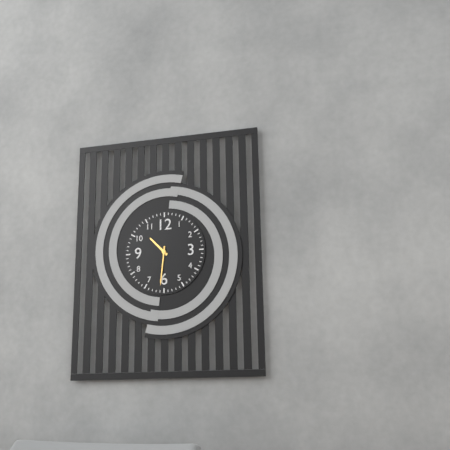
{"hour": 10, "minute": 31}
